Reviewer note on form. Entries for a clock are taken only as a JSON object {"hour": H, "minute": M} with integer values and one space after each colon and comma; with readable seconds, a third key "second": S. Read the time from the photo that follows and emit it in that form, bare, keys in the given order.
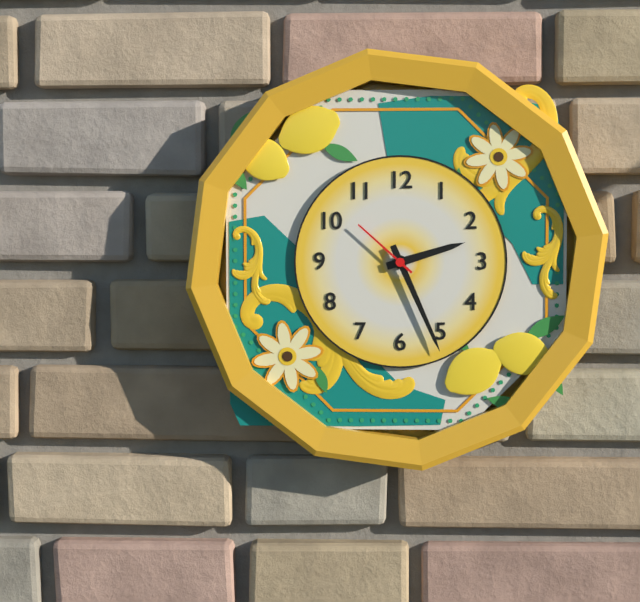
{"hour": 2, "minute": 26, "second": 52}
